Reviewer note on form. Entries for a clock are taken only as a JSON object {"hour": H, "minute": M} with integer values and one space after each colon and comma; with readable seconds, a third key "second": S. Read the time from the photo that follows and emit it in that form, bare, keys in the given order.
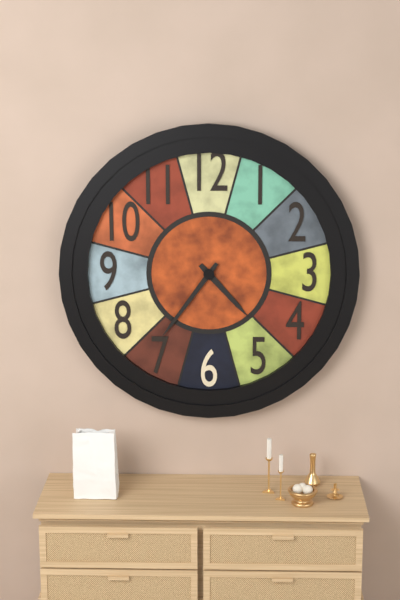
{"hour": 4, "minute": 36}
